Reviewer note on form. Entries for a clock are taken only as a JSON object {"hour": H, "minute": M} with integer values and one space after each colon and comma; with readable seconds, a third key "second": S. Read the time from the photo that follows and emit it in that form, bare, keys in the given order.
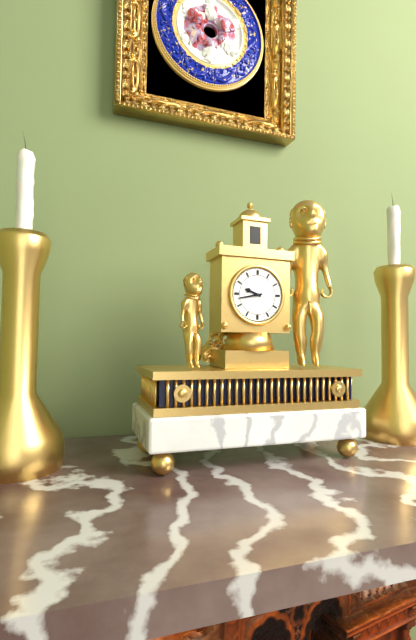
{"hour": 9, "minute": 43}
